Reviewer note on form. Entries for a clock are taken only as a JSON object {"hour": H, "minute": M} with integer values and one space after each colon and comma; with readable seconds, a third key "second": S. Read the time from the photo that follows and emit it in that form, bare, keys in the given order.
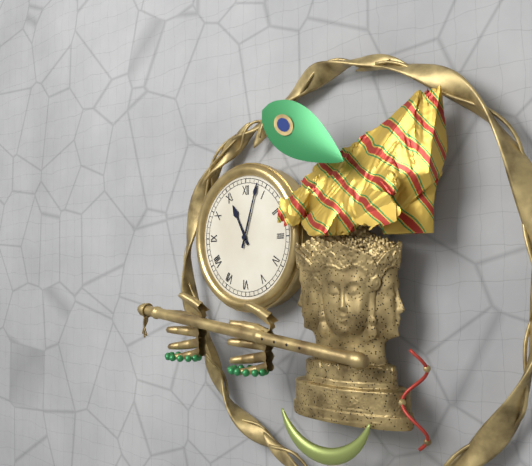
{"hour": 11, "minute": 3}
